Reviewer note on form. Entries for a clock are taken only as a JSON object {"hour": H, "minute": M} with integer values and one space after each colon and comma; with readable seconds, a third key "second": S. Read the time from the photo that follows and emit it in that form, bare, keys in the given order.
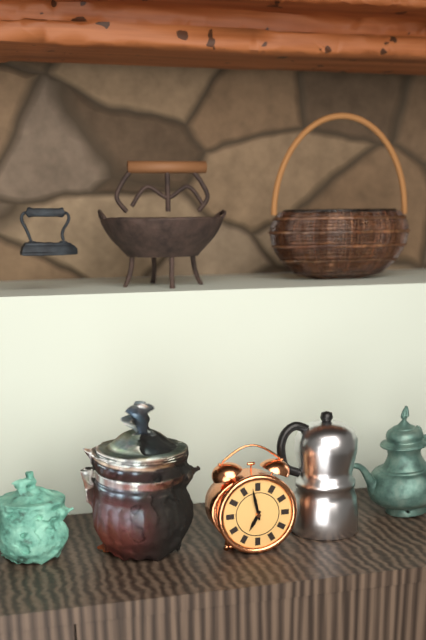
{"hour": 6, "minute": 58}
